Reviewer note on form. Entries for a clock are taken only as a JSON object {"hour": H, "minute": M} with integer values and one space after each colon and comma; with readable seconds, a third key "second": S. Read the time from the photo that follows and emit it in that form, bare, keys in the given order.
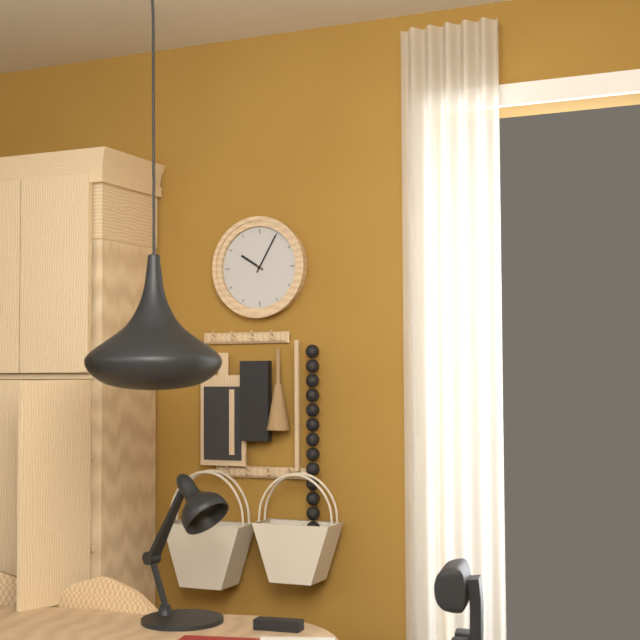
{"hour": 10, "minute": 5}
